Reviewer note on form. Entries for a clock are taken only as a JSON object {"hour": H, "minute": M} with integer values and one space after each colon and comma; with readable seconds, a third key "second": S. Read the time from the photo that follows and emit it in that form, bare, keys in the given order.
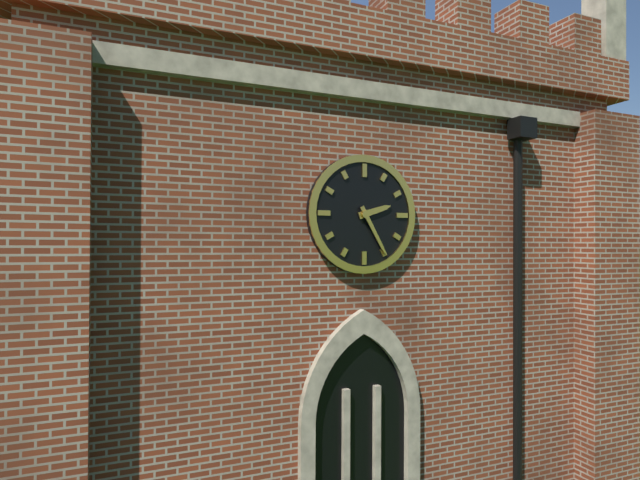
{"hour": 2, "minute": 25}
